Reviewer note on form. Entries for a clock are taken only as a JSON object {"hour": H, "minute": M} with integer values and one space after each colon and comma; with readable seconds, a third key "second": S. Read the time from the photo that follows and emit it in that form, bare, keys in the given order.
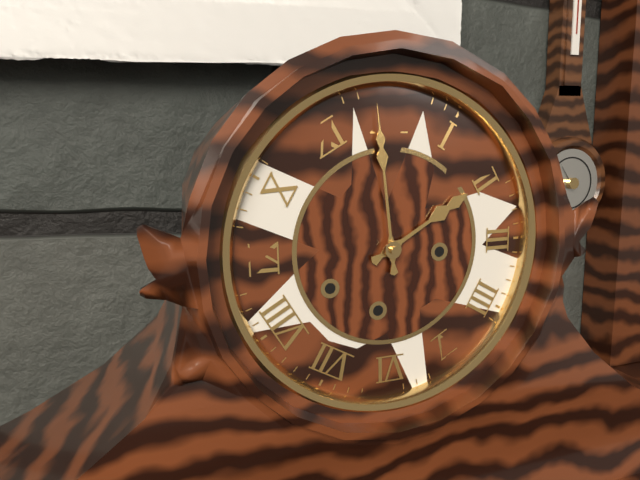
{"hour": 1, "minute": 59}
